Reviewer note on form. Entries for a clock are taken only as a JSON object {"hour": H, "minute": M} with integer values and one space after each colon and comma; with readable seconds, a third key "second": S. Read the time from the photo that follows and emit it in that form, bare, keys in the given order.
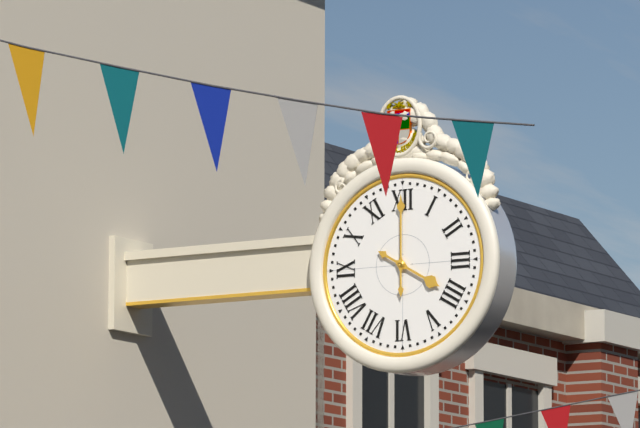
{"hour": 4, "minute": 0}
